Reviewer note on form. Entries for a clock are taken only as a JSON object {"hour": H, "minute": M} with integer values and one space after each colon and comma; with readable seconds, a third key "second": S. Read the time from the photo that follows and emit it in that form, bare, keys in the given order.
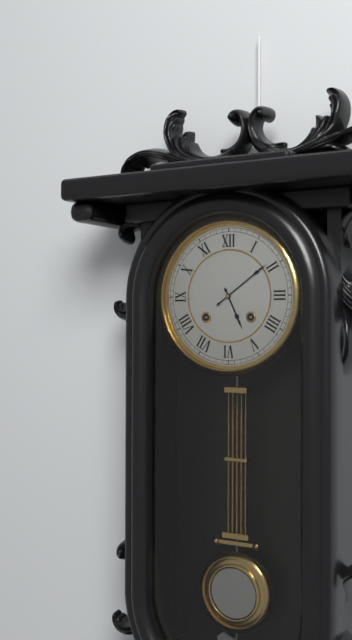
{"hour": 5, "minute": 9}
